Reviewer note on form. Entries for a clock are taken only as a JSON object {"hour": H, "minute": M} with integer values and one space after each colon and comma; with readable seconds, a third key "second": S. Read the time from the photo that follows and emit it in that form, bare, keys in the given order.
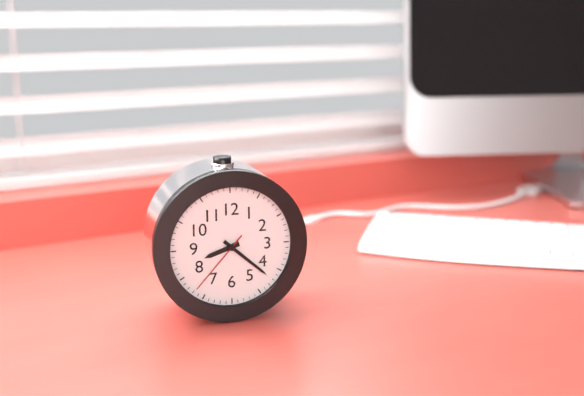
{"hour": 8, "minute": 22, "second": 37}
